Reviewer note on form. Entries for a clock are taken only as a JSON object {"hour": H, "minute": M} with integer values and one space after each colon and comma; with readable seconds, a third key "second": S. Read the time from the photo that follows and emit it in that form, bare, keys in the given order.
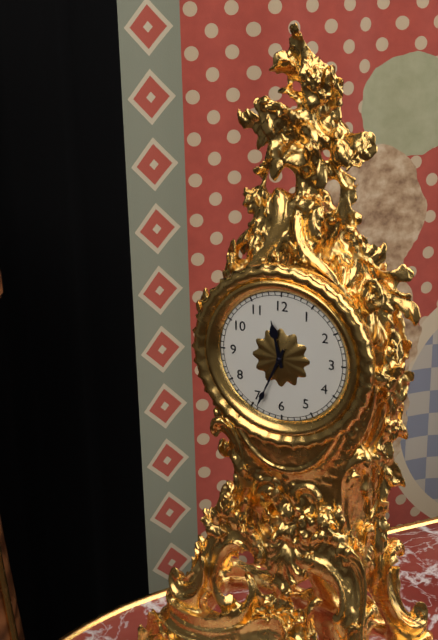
{"hour": 11, "minute": 34}
